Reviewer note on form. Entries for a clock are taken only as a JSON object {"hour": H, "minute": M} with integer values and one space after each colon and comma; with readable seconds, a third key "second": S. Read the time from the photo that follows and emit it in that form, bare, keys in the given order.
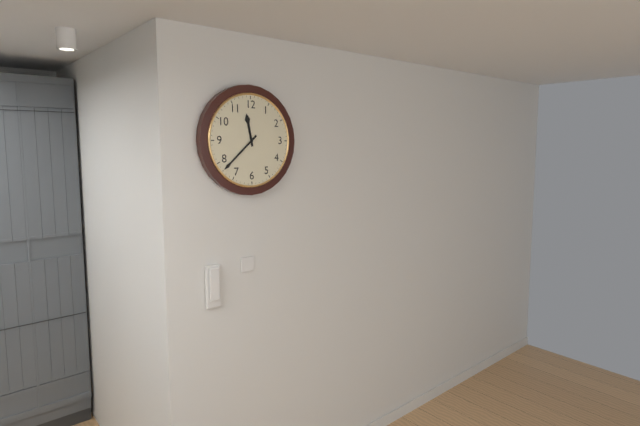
{"hour": 11, "minute": 38}
